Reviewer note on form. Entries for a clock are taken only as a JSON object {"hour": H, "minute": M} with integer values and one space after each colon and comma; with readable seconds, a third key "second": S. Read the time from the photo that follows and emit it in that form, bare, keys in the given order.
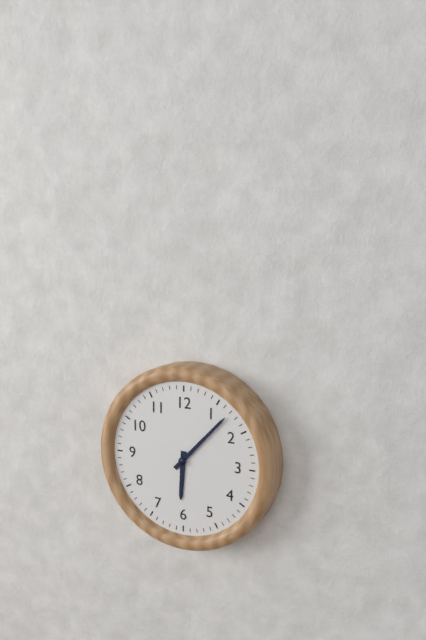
{"hour": 6, "minute": 7}
